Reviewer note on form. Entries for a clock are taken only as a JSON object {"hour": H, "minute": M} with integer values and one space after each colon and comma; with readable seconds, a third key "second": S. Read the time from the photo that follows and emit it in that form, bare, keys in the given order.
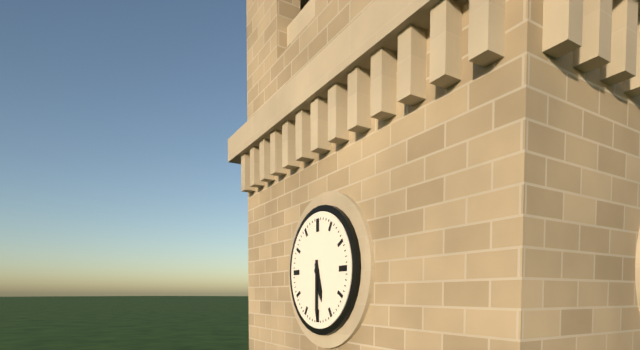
{"hour": 5, "minute": 30}
